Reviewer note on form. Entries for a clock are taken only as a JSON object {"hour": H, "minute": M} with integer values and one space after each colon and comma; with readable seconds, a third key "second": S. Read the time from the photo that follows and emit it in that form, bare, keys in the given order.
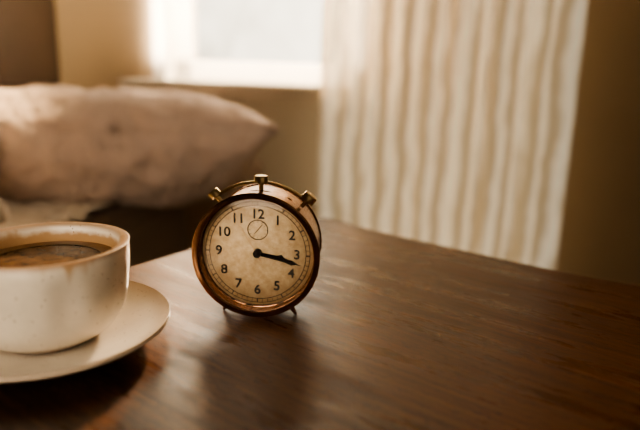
{"hour": 3, "minute": 17, "second": 55}
